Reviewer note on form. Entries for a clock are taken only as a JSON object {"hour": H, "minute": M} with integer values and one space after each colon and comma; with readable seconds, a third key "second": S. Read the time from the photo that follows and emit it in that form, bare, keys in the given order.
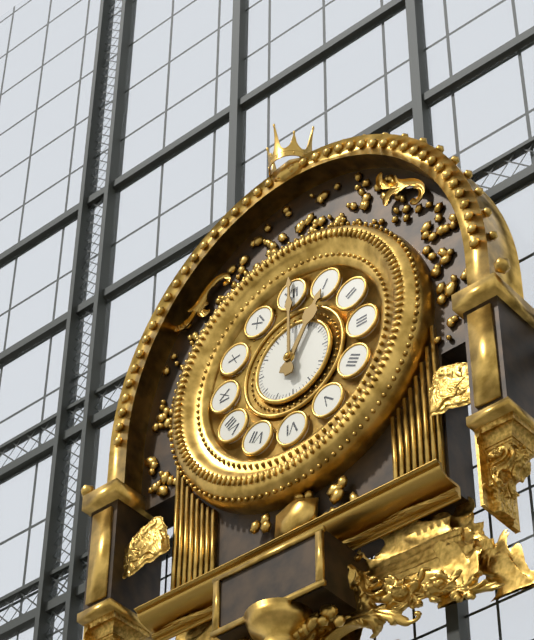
{"hour": 1, "minute": 0}
